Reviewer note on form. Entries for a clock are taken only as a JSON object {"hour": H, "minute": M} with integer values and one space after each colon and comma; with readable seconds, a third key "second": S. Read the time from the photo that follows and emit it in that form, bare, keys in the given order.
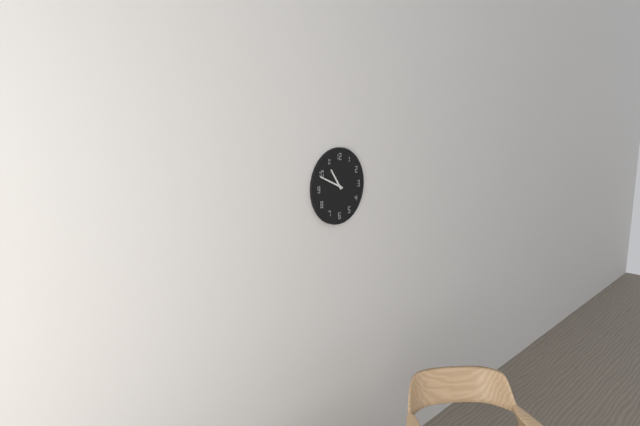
{"hour": 10, "minute": 49}
